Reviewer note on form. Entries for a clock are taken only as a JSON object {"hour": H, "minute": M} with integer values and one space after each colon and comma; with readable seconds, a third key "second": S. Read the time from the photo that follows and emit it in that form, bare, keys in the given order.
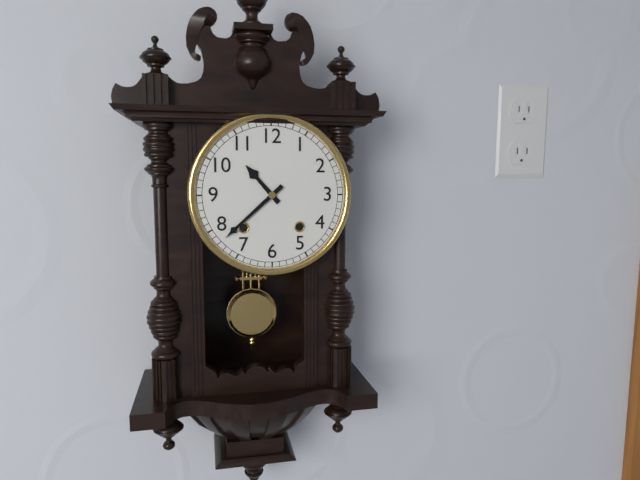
{"hour": 10, "minute": 38}
